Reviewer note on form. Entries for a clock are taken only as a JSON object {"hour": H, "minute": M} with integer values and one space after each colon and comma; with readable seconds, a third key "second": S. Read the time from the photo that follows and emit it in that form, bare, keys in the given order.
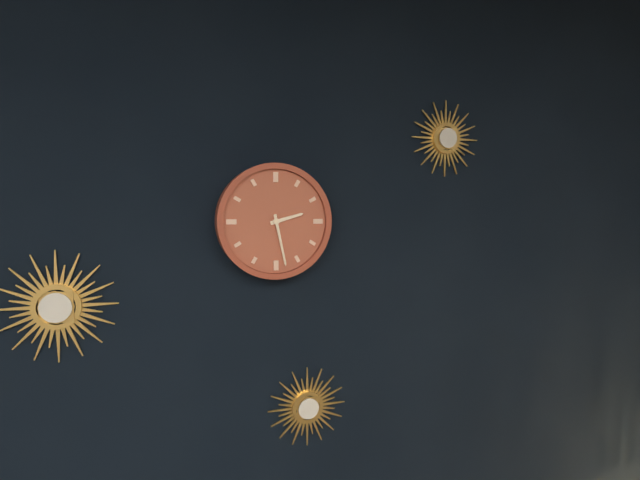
{"hour": 2, "minute": 28}
